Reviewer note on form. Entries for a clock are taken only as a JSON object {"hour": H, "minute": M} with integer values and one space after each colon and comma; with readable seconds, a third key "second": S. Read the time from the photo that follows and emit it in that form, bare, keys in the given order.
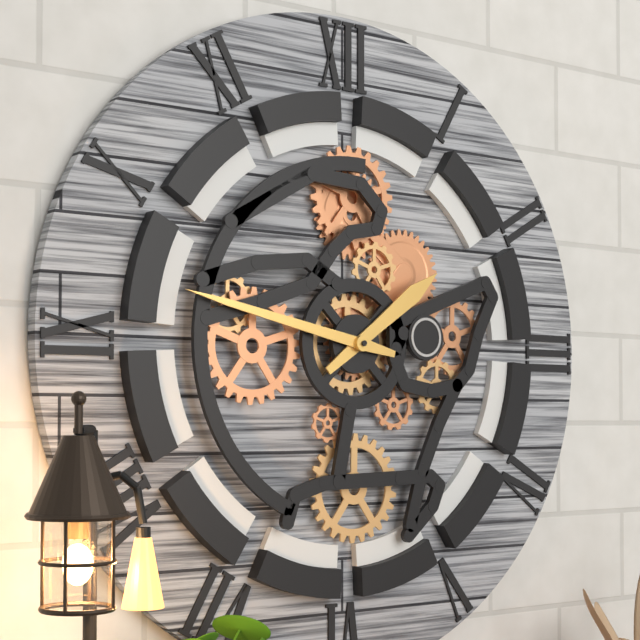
{"hour": 1, "minute": 47}
